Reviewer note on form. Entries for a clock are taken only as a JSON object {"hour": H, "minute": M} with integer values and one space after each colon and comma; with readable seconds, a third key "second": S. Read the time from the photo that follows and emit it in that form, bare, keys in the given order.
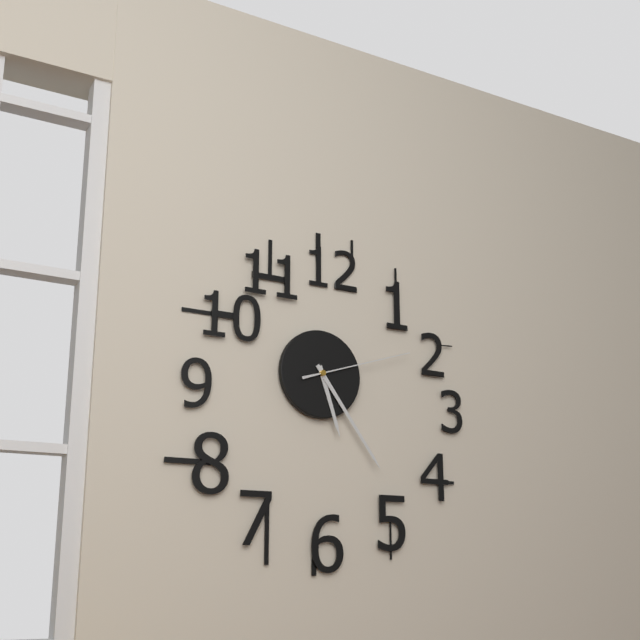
{"hour": 5, "minute": 24, "second": 12}
